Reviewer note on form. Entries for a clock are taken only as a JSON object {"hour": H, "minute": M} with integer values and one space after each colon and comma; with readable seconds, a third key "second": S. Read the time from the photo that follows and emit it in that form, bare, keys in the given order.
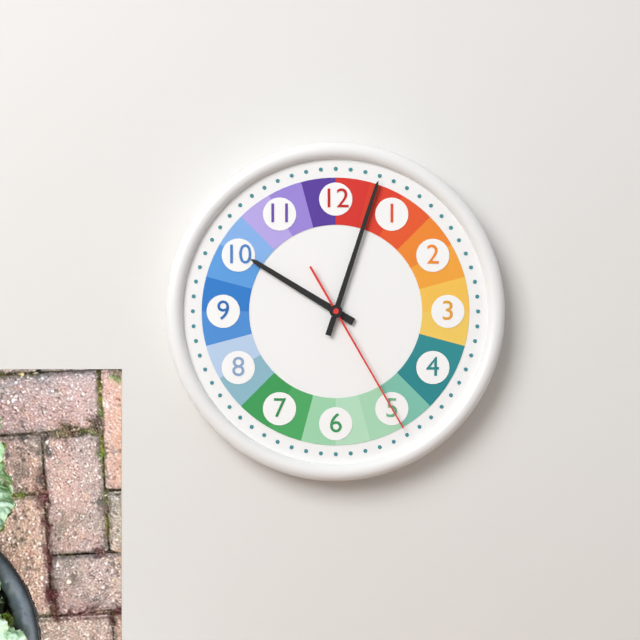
{"hour": 10, "minute": 3, "second": 25}
